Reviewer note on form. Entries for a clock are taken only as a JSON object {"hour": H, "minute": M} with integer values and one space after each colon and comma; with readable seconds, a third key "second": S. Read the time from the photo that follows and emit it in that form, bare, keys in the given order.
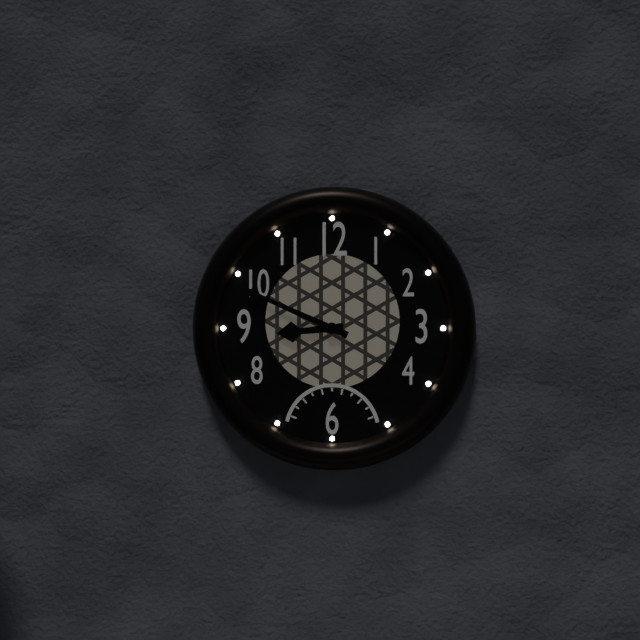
{"hour": 8, "minute": 49}
